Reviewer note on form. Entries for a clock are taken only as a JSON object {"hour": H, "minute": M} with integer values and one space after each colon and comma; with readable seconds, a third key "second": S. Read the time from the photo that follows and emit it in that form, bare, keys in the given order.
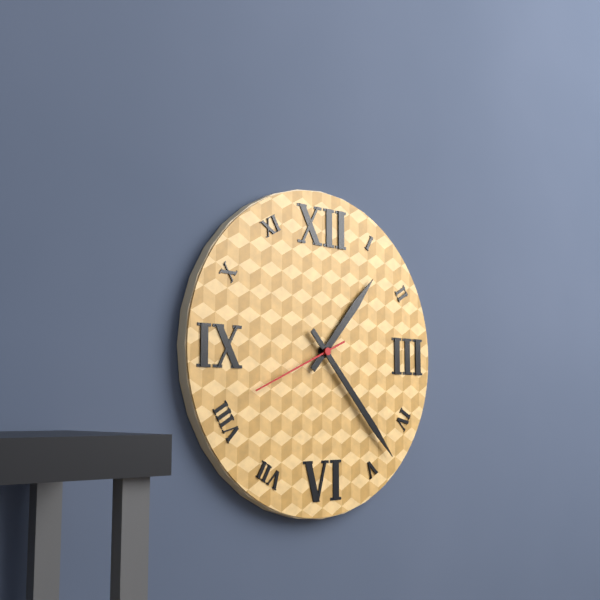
{"hour": 1, "minute": 23, "second": 41}
